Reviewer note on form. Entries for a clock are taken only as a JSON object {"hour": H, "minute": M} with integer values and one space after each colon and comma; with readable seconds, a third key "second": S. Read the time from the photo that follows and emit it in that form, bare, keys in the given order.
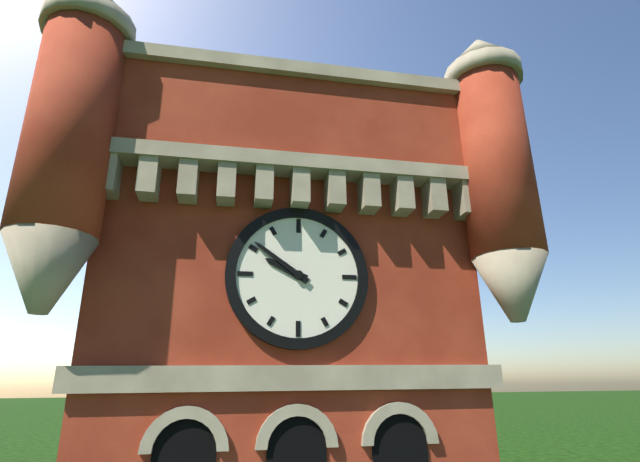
{"hour": 9, "minute": 51}
